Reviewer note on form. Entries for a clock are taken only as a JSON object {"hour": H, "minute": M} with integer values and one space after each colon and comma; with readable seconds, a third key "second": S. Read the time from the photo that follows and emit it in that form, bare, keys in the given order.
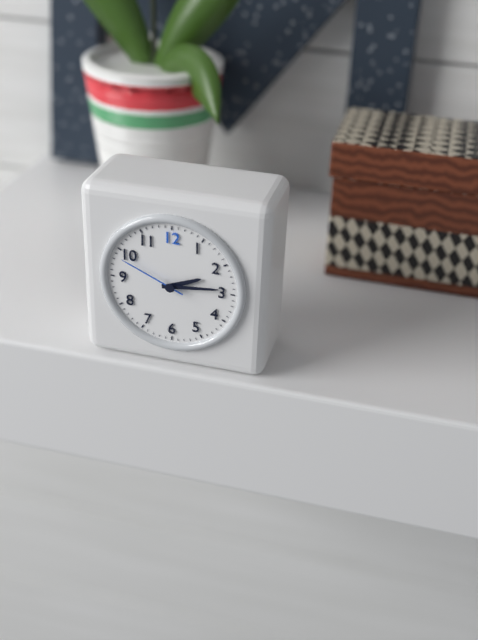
{"hour": 2, "minute": 14, "second": 49}
